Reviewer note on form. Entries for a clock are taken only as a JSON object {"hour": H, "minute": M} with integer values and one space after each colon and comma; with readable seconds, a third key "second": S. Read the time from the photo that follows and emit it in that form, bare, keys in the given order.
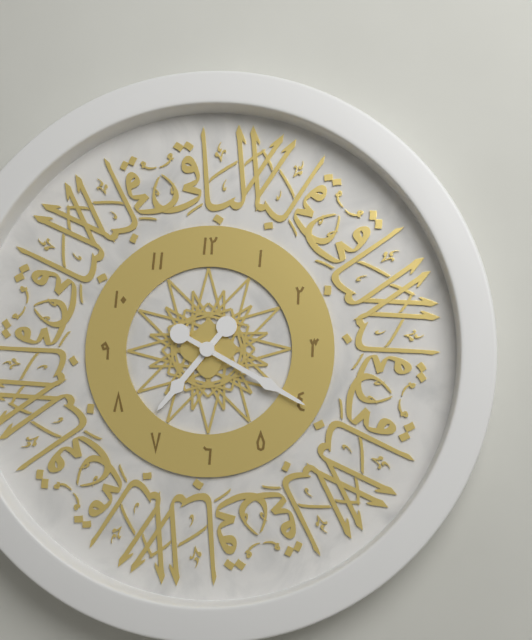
{"hour": 7, "minute": 20}
